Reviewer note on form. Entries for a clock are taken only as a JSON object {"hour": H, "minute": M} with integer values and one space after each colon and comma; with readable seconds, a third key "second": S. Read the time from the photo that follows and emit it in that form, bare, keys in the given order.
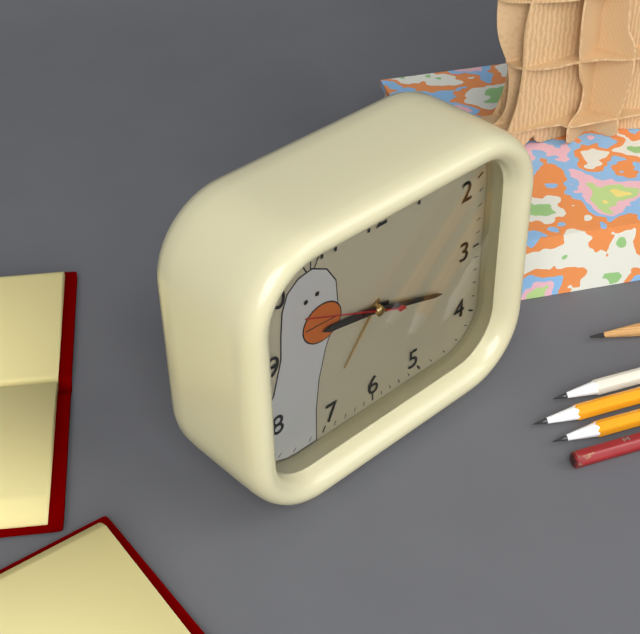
{"hour": 9, "minute": 18, "second": 49}
